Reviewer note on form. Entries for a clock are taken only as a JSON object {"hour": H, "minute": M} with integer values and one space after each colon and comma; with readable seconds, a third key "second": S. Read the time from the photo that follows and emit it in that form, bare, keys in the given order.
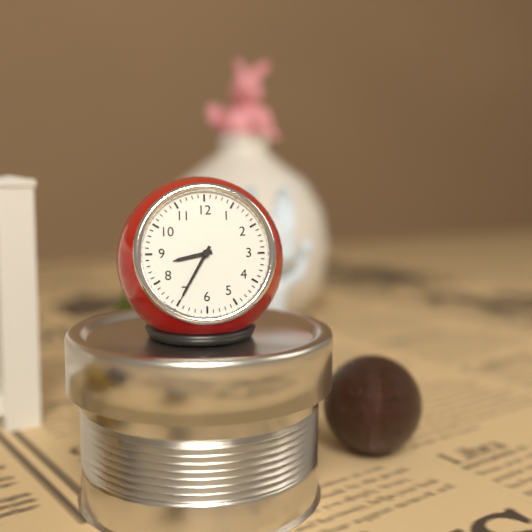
{"hour": 8, "minute": 35}
